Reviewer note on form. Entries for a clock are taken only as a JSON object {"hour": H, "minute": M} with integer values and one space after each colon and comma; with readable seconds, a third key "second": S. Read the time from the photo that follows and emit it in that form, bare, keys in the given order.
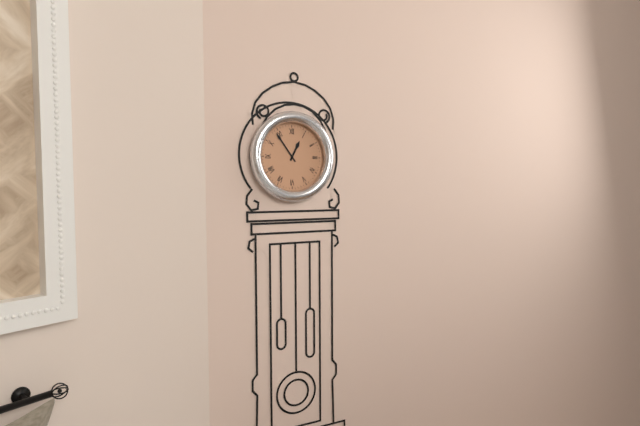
{"hour": 12, "minute": 54}
